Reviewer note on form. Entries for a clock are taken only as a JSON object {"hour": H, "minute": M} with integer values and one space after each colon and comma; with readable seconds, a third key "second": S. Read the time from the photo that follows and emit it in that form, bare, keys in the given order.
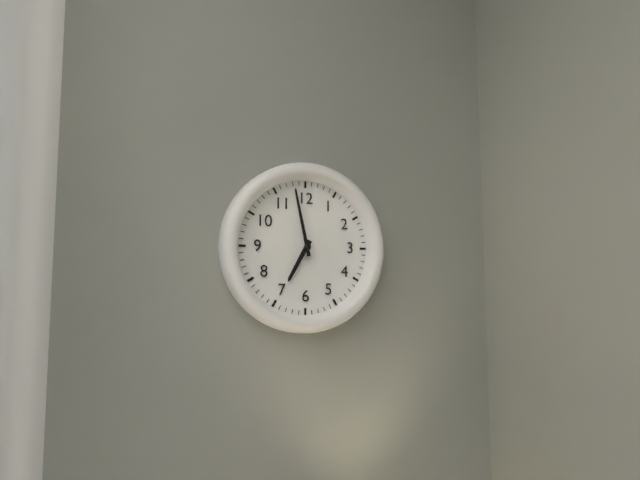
{"hour": 6, "minute": 58}
